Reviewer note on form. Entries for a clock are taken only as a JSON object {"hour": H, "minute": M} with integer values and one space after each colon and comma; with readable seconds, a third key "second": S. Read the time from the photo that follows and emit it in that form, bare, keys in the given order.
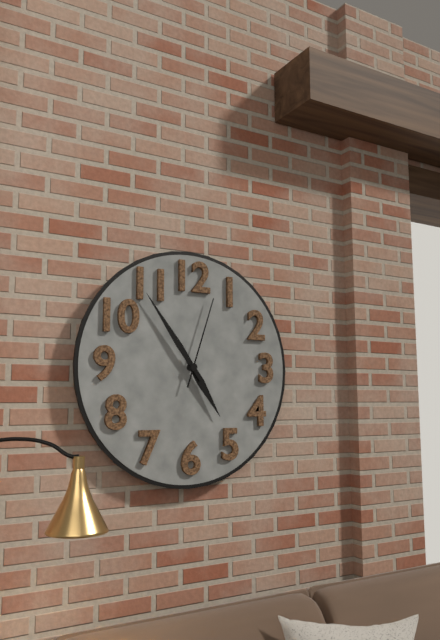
{"hour": 4, "minute": 54, "second": 3}
